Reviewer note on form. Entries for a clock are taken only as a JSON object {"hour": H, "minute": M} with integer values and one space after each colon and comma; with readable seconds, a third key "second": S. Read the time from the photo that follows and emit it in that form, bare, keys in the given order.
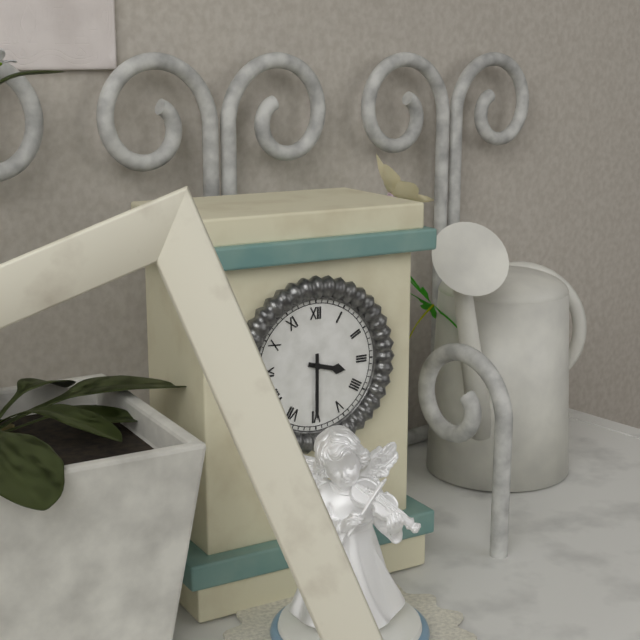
{"hour": 3, "minute": 30}
